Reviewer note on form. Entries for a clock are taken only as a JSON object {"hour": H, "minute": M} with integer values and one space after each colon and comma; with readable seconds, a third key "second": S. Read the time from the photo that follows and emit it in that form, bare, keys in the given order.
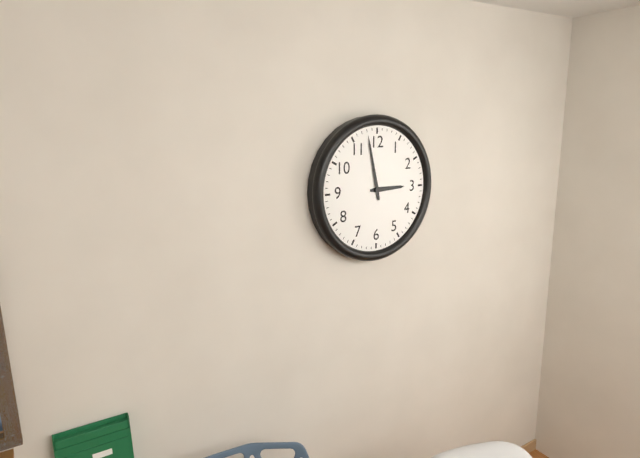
{"hour": 2, "minute": 58}
